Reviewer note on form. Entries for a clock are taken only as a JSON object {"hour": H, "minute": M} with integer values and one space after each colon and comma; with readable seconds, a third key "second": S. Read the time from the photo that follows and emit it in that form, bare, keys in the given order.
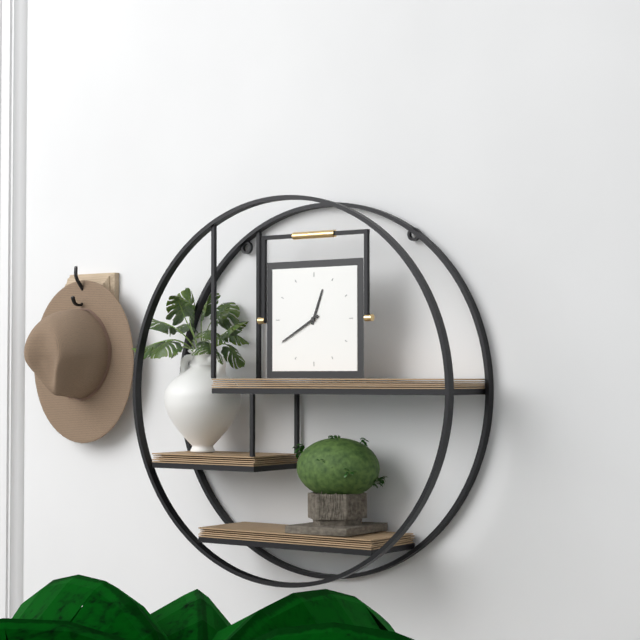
{"hour": 12, "minute": 40}
